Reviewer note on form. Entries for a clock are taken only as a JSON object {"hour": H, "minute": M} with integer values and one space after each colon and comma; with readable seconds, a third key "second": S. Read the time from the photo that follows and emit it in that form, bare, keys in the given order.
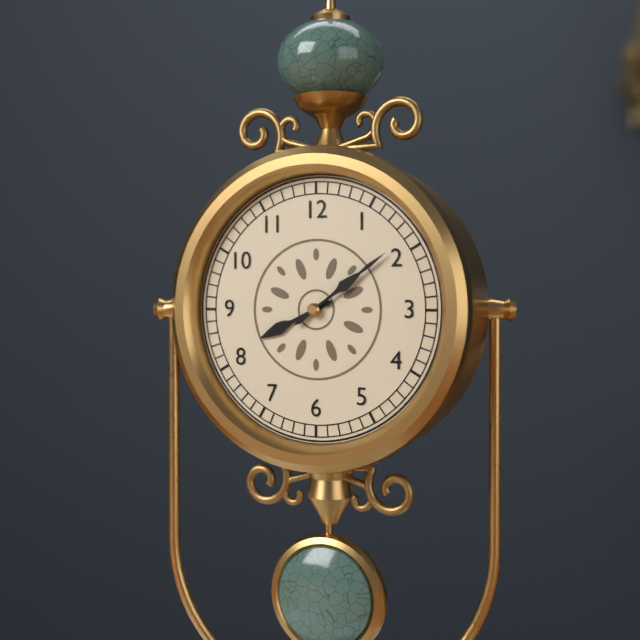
{"hour": 8, "minute": 9}
